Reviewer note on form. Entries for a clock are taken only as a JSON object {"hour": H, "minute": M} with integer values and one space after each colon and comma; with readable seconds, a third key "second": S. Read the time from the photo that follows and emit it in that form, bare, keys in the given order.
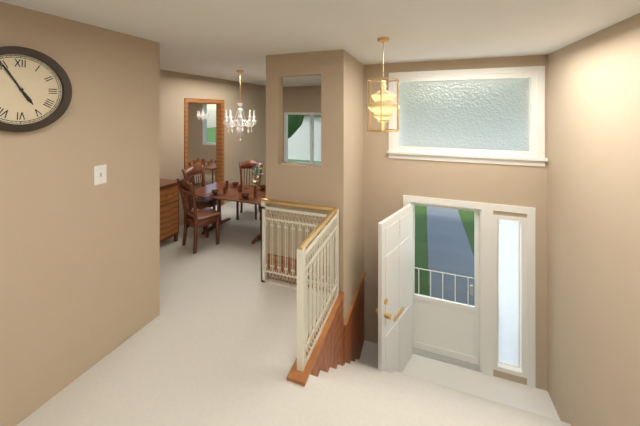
{"hour": 4, "minute": 55}
